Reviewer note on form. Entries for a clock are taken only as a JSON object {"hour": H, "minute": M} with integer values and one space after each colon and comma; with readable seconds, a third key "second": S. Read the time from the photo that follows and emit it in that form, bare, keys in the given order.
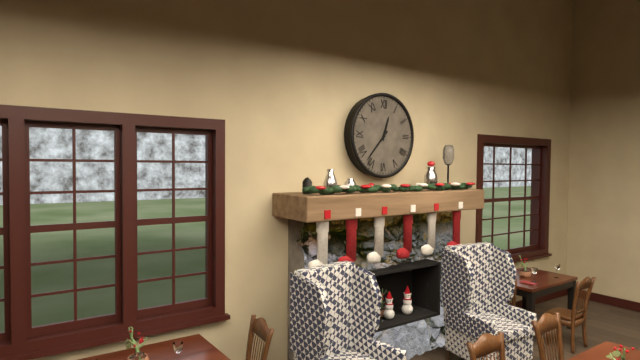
{"hour": 12, "minute": 37}
